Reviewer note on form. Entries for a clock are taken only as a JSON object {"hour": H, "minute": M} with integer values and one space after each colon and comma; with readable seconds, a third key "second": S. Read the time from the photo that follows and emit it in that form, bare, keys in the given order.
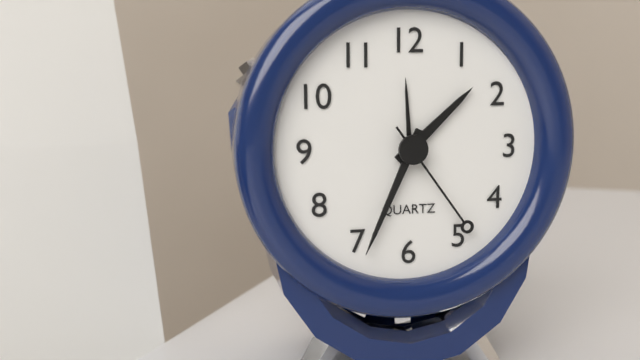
{"hour": 1, "minute": 34, "second": 24}
